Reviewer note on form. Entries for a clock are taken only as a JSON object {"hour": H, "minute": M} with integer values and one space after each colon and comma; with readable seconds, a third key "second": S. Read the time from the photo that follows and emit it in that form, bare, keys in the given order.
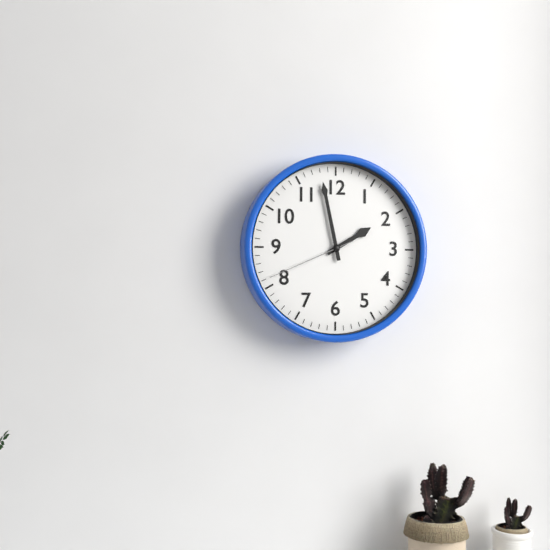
{"hour": 1, "minute": 58, "second": 41}
